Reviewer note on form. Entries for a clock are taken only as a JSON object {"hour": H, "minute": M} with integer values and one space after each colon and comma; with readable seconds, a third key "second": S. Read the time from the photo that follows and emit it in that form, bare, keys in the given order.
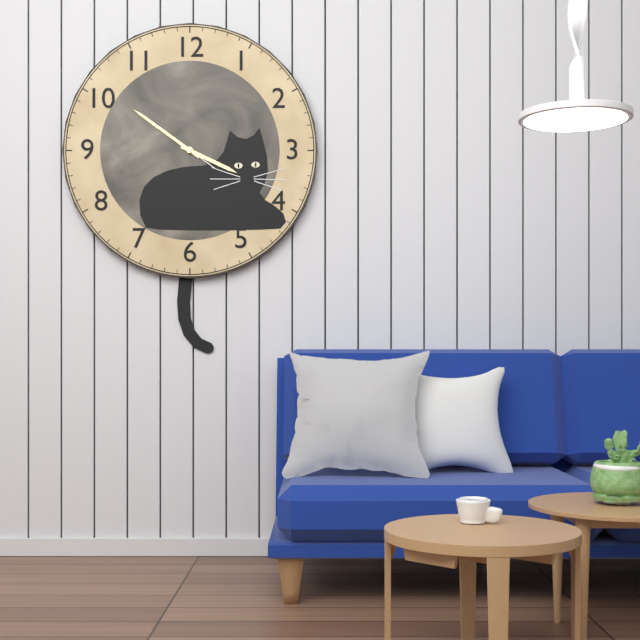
{"hour": 3, "minute": 51, "second": 51}
